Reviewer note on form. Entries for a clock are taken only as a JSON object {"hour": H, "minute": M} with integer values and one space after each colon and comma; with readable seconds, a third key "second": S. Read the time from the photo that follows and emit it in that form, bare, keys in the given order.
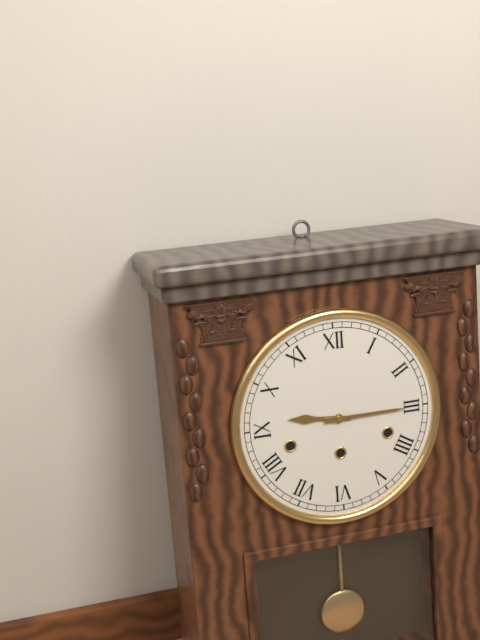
{"hour": 9, "minute": 15}
